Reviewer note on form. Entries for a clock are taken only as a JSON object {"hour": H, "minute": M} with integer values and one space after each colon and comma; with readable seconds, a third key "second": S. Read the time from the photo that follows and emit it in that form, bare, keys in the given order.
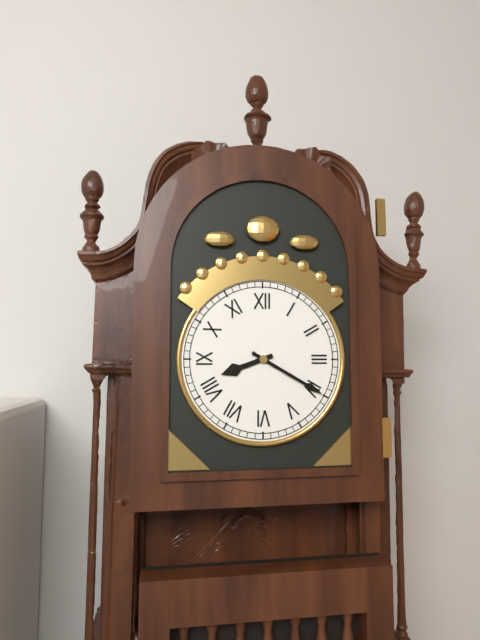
{"hour": 8, "minute": 20}
